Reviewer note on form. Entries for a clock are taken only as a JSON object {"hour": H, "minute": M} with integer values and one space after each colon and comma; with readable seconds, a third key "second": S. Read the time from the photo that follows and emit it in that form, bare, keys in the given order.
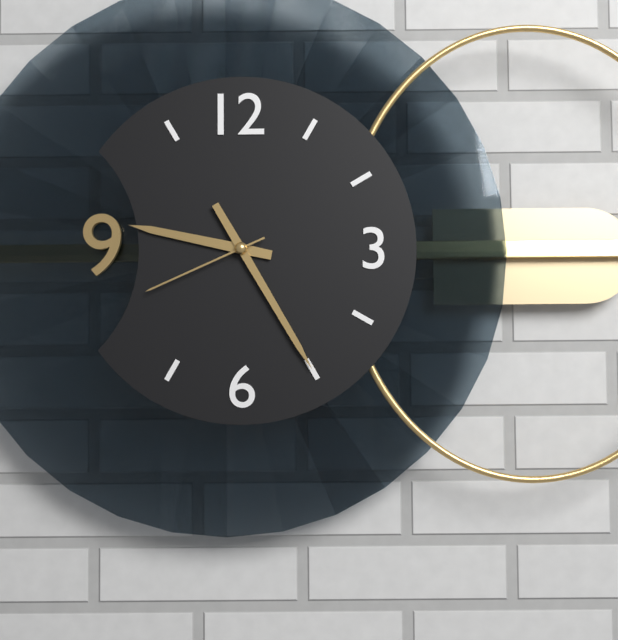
{"hour": 9, "minute": 25, "second": 41}
